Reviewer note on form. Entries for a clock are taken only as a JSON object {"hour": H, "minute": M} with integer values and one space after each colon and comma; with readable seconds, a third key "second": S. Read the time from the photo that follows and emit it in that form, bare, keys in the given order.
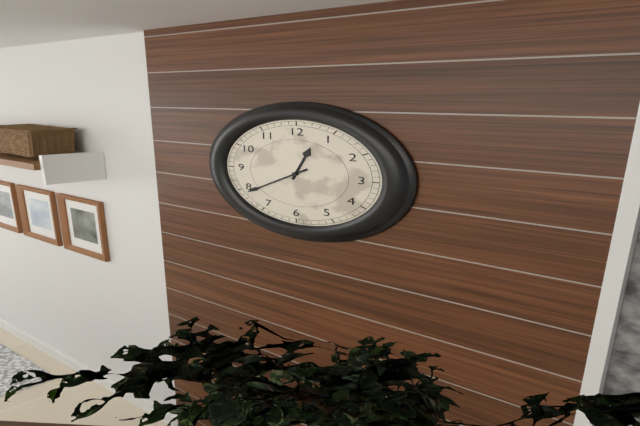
{"hour": 12, "minute": 39}
